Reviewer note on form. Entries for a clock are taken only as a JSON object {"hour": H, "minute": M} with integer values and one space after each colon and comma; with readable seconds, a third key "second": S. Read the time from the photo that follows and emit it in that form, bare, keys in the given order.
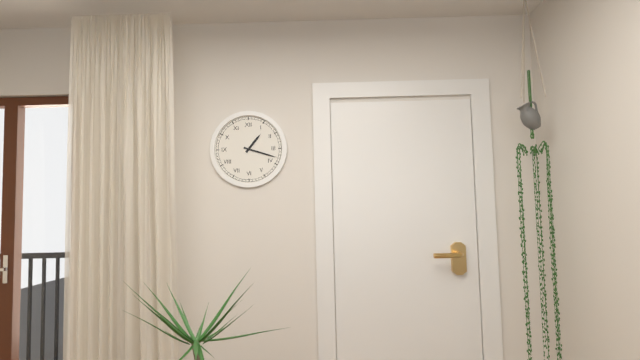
{"hour": 1, "minute": 18}
